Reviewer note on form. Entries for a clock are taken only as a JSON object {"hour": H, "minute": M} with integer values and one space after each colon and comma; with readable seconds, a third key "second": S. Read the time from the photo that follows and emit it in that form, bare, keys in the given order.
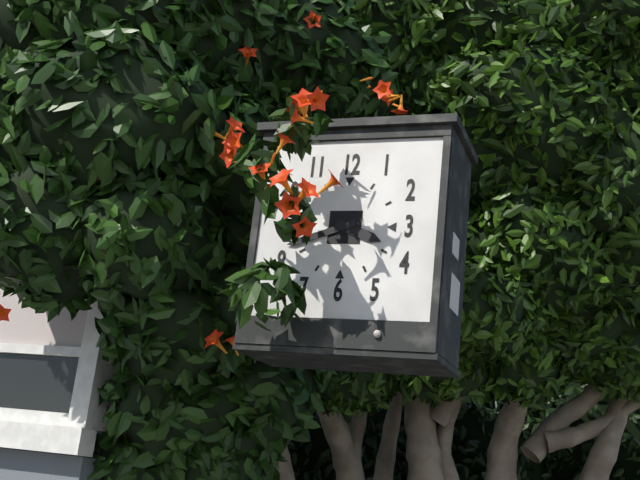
{"hour": 3, "minute": 42}
